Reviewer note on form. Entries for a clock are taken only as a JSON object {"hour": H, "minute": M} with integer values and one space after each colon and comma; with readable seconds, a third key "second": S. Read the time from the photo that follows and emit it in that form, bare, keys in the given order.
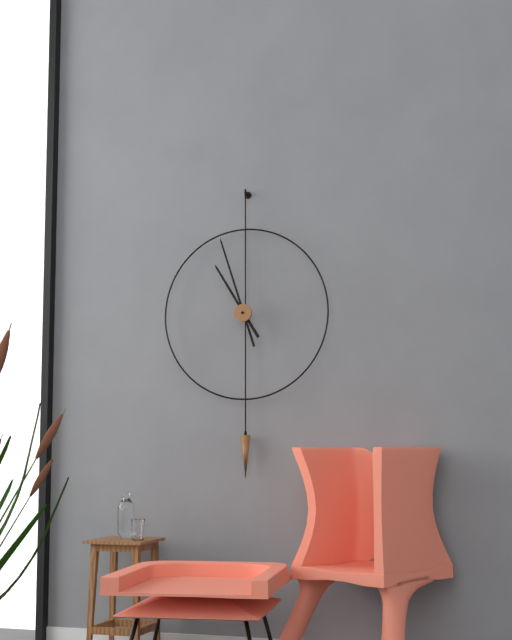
{"hour": 10, "minute": 57}
